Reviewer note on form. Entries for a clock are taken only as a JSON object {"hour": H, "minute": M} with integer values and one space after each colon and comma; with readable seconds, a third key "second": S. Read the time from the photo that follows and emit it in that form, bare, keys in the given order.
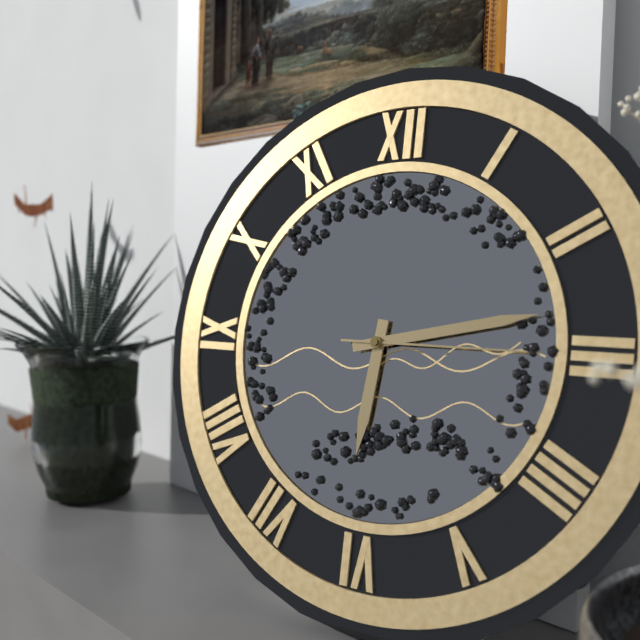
{"hour": 6, "minute": 13, "second": 15}
